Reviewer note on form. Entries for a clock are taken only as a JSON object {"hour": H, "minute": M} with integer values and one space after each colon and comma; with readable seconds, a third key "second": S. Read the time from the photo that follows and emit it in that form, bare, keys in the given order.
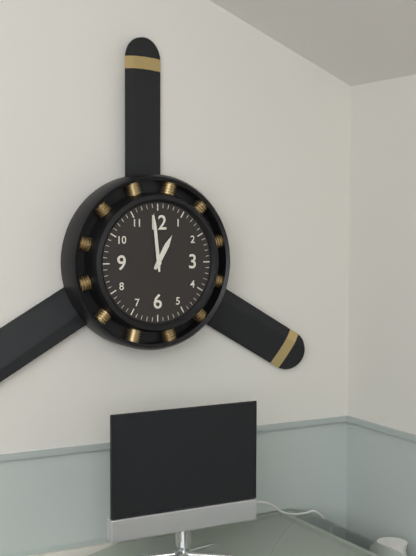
{"hour": 12, "minute": 59}
